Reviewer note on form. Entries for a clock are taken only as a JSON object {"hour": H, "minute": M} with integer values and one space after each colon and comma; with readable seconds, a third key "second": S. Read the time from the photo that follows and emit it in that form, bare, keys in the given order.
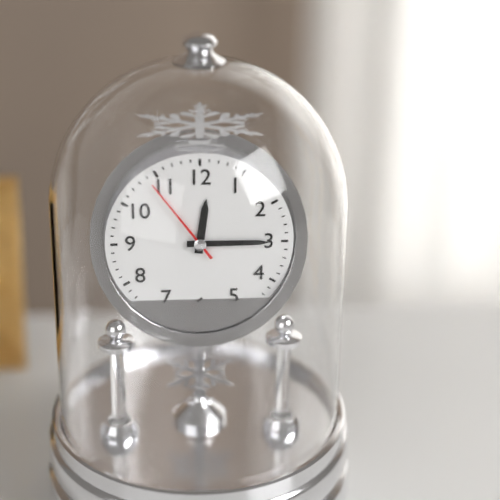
{"hour": 12, "minute": 15, "second": 54}
